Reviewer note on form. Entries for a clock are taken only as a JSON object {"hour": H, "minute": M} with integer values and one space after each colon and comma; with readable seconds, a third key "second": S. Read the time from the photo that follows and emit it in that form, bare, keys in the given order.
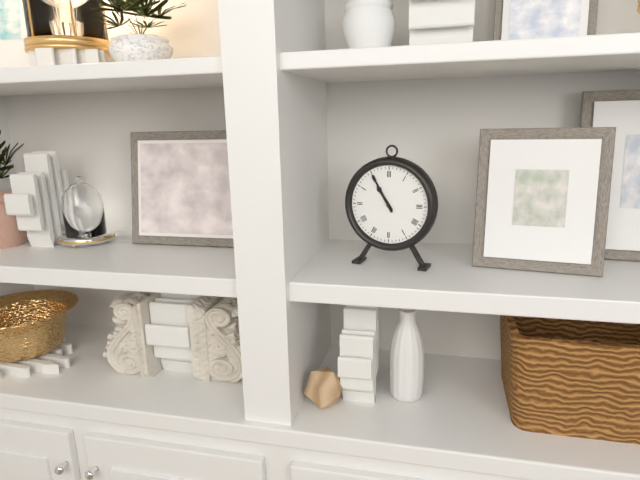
{"hour": 10, "minute": 55}
